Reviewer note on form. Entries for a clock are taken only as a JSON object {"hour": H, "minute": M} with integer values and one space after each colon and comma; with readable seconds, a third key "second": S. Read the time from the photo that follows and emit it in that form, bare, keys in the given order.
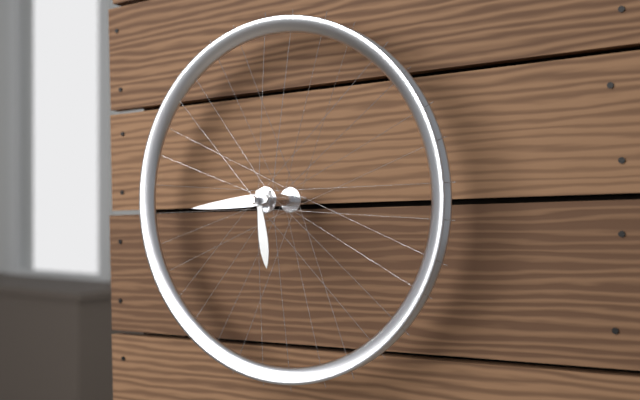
{"hour": 5, "minute": 44}
